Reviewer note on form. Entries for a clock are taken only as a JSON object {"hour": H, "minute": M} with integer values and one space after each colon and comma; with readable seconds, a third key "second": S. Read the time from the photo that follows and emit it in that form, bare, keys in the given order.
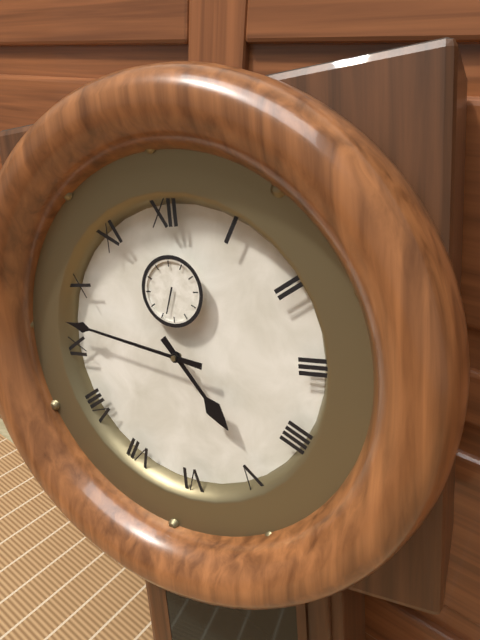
{"hour": 4, "minute": 47}
